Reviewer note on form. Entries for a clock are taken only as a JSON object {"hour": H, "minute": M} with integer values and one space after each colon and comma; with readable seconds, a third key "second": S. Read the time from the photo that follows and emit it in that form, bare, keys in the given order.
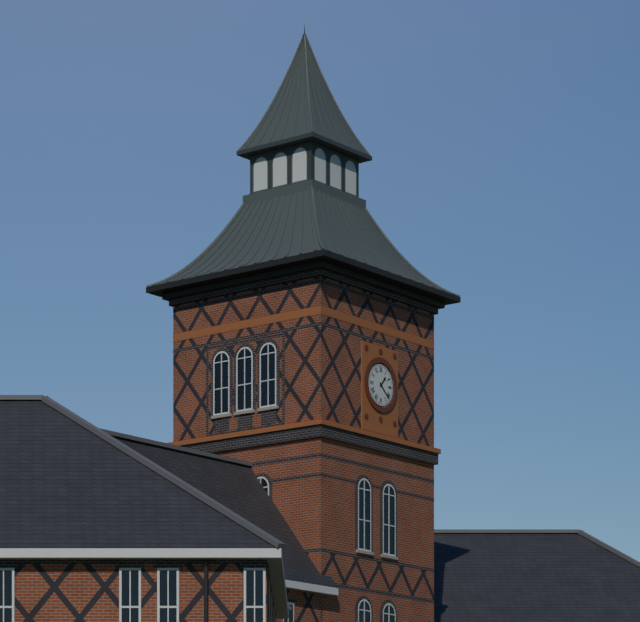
{"hour": 1, "minute": 22}
